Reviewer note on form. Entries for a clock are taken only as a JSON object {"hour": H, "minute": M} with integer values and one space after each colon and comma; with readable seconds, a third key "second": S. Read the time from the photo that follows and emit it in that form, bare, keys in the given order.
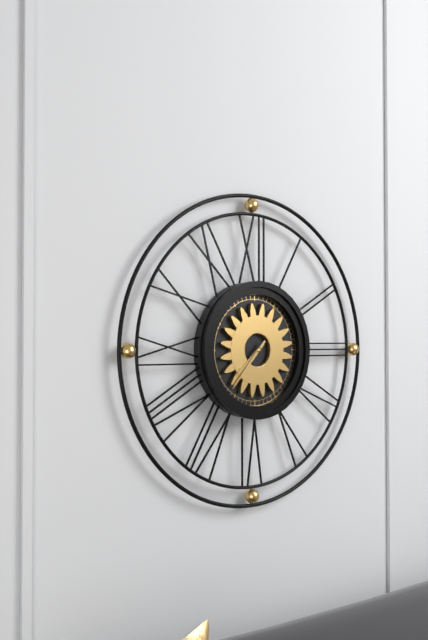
{"hour": 7, "minute": 37}
